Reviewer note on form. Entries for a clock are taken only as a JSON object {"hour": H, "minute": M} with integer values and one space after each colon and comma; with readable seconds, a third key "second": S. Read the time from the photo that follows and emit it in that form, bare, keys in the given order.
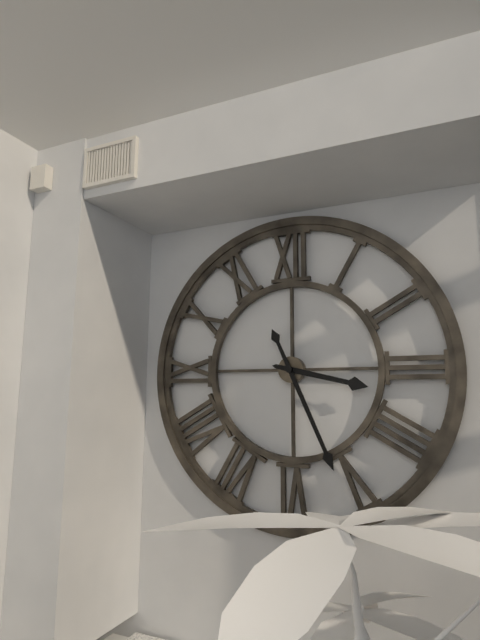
{"hour": 3, "minute": 26}
